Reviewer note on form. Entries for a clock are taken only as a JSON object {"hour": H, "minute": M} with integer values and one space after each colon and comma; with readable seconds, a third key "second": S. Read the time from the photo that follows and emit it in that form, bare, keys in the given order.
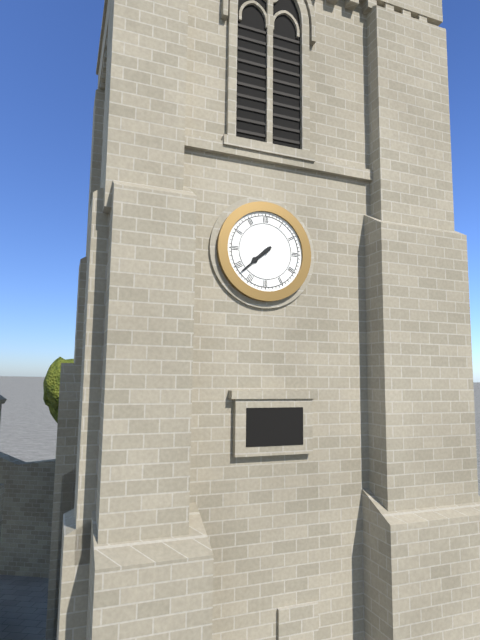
{"hour": 7, "minute": 38}
